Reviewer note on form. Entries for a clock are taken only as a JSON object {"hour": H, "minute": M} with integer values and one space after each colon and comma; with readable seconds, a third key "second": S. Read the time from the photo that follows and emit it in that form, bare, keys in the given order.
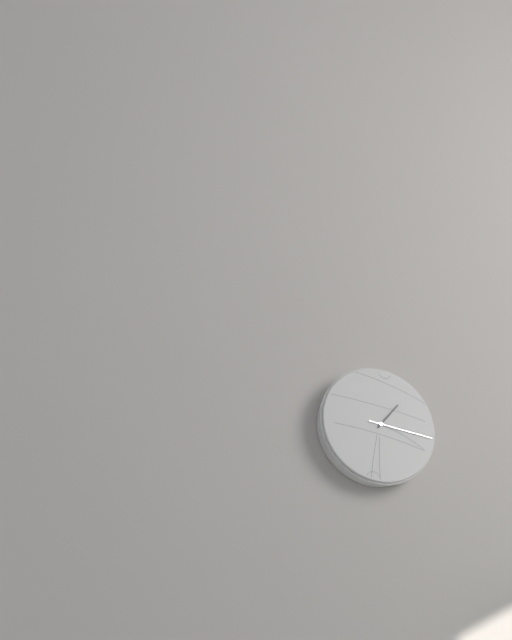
{"hour": 1, "minute": 16}
